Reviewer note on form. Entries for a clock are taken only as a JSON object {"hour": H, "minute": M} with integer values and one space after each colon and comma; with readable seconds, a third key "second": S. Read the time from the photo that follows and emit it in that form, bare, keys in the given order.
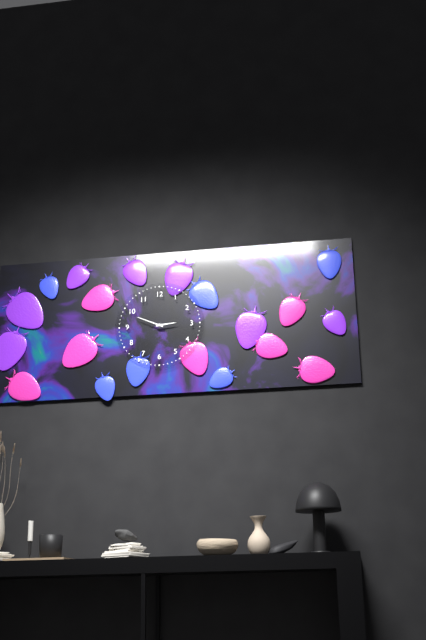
{"hour": 2, "minute": 49}
